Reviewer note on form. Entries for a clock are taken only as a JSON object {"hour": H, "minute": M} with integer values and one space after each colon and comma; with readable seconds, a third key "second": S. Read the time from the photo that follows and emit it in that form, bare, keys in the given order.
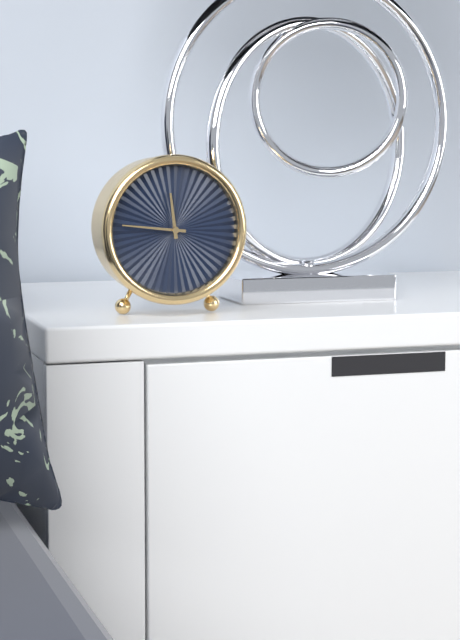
{"hour": 11, "minute": 46}
